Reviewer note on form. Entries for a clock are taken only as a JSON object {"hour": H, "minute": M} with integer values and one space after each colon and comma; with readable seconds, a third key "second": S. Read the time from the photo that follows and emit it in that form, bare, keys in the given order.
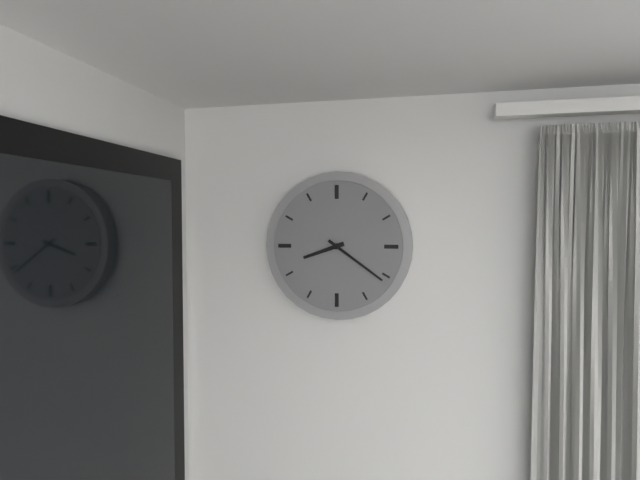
{"hour": 8, "minute": 21}
